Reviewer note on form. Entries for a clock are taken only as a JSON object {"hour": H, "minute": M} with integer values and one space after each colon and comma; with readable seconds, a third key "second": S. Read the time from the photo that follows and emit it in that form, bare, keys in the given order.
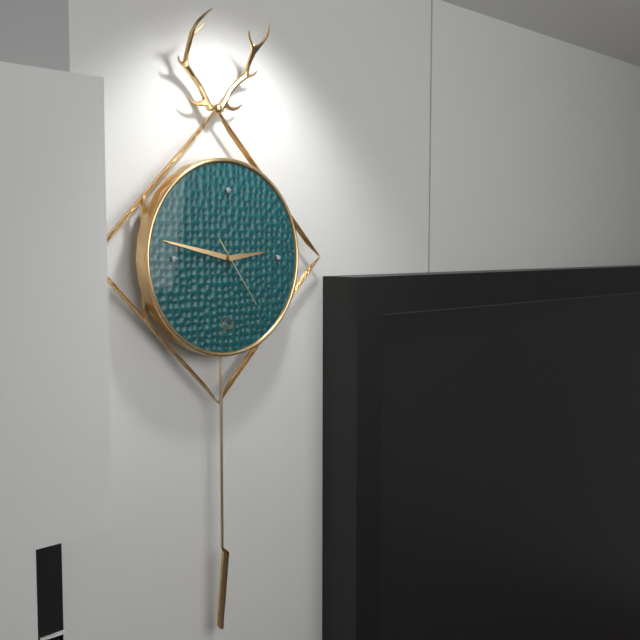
{"hour": 2, "minute": 47, "second": 24}
